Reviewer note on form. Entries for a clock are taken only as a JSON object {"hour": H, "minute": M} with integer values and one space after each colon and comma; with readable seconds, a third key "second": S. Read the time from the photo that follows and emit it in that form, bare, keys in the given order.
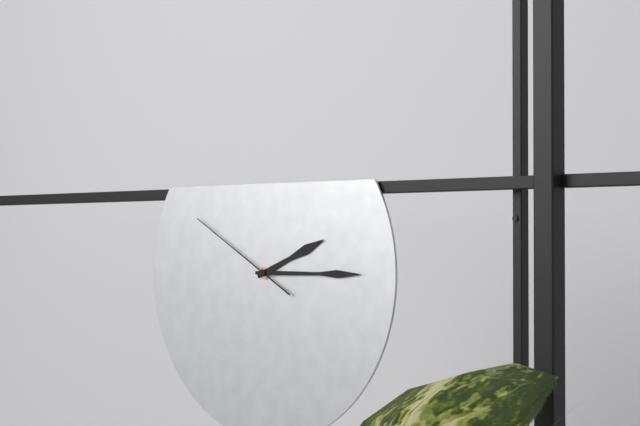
{"hour": 2, "minute": 15, "second": 50}
